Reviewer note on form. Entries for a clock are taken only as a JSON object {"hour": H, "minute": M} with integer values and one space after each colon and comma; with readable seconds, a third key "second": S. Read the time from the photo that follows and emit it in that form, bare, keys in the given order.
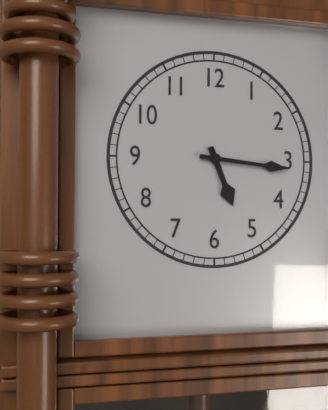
{"hour": 5, "minute": 16}
